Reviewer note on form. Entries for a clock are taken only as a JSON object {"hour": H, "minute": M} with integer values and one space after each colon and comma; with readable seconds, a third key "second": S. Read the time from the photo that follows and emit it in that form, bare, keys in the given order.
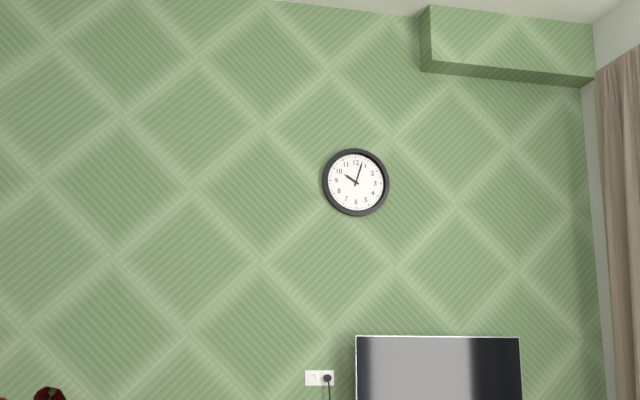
{"hour": 10, "minute": 3}
